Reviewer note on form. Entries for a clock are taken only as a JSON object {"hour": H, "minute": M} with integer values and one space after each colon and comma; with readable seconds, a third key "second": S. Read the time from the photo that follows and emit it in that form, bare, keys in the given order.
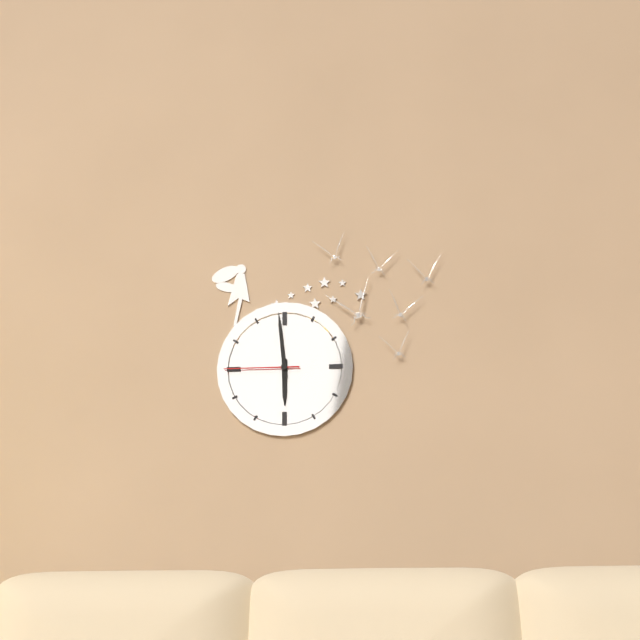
{"hour": 5, "minute": 59, "second": 45}
